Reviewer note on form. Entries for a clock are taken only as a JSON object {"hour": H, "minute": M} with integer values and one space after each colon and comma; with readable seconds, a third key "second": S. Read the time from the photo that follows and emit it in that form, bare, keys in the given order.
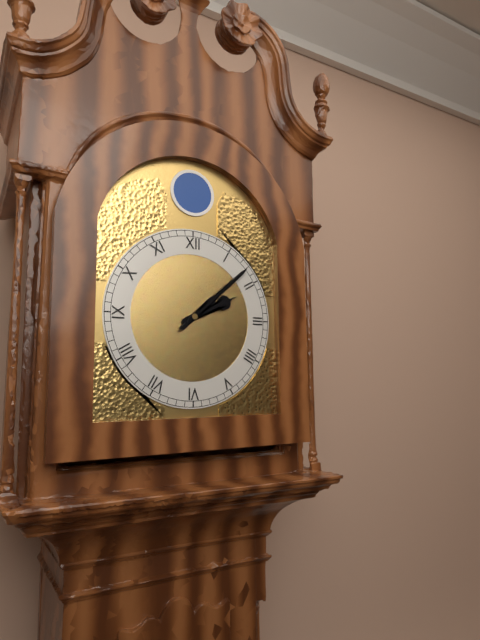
{"hour": 2, "minute": 8}
